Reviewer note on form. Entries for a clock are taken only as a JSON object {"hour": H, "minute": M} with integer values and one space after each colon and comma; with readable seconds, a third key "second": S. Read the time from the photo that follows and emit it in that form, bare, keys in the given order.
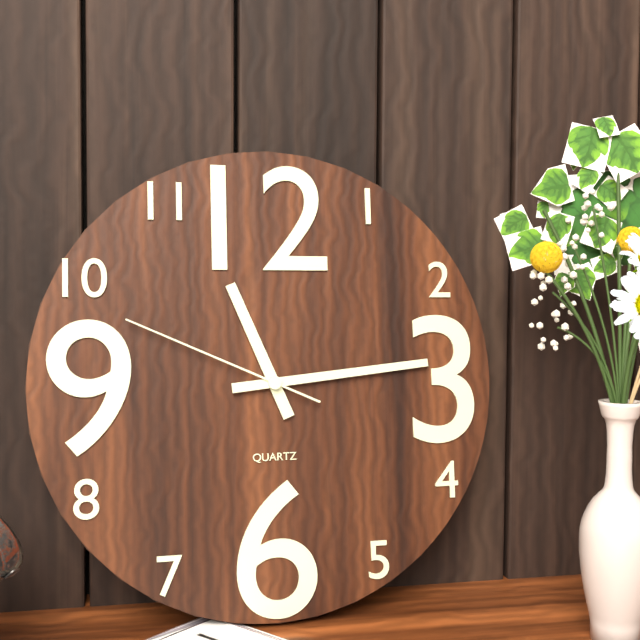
{"hour": 11, "minute": 14, "second": 49}
